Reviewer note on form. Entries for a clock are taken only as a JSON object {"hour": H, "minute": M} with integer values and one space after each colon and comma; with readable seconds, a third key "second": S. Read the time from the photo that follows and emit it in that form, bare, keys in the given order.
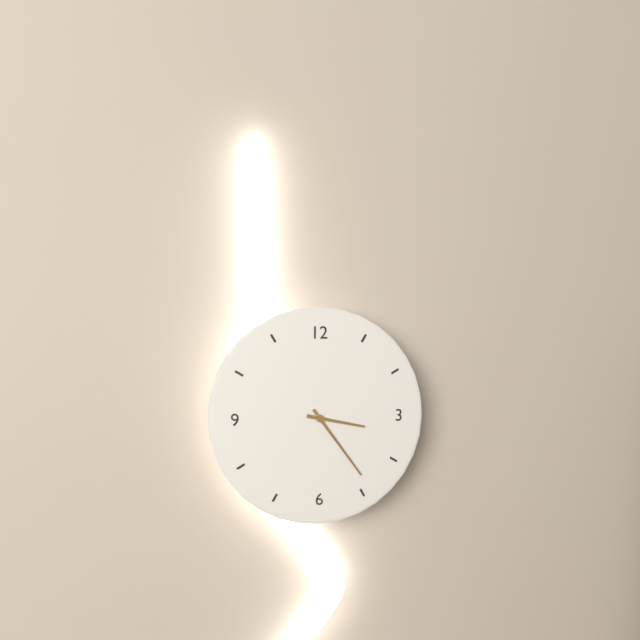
{"hour": 3, "minute": 24}
